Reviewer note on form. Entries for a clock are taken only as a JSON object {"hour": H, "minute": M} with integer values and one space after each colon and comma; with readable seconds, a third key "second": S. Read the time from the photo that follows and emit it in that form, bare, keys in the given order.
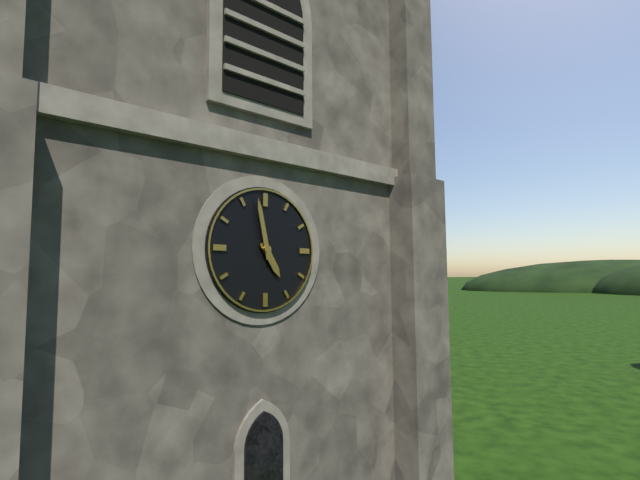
{"hour": 4, "minute": 58}
